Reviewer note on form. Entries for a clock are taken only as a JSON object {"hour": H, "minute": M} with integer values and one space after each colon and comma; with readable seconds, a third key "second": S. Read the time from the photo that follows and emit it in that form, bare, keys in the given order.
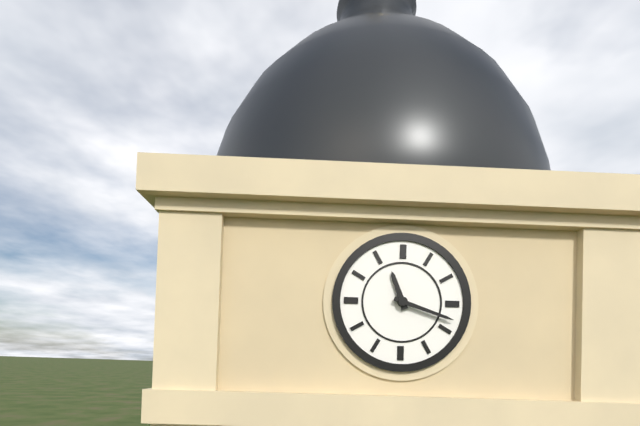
{"hour": 11, "minute": 18}
